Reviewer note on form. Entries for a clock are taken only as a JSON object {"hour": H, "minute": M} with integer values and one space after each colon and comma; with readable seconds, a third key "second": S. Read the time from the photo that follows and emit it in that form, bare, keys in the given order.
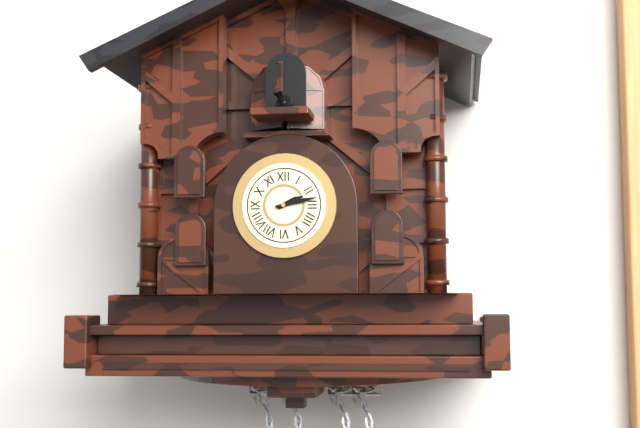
{"hour": 2, "minute": 13}
